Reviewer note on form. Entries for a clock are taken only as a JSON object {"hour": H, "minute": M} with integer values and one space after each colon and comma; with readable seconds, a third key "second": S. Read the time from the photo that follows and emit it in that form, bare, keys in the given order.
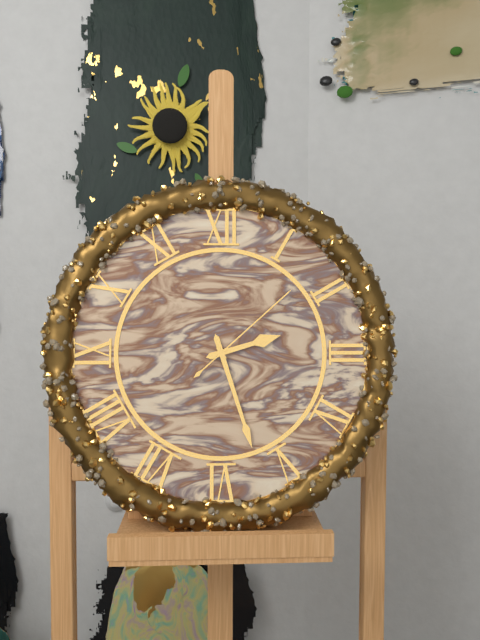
{"hour": 2, "minute": 27, "second": 8}
